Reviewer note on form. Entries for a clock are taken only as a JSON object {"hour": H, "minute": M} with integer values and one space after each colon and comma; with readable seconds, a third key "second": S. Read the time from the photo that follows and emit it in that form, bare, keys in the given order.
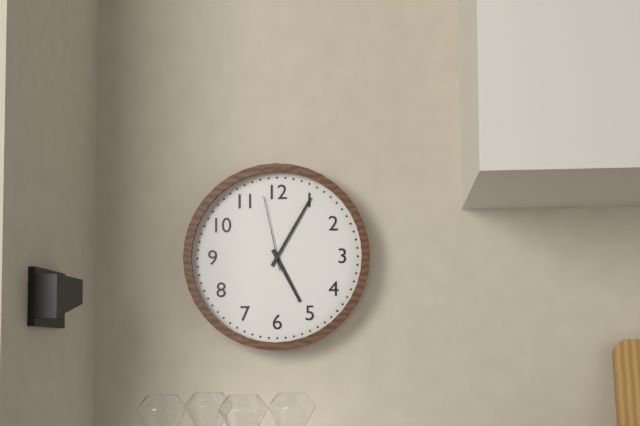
{"hour": 5, "minute": 5, "second": 58}
